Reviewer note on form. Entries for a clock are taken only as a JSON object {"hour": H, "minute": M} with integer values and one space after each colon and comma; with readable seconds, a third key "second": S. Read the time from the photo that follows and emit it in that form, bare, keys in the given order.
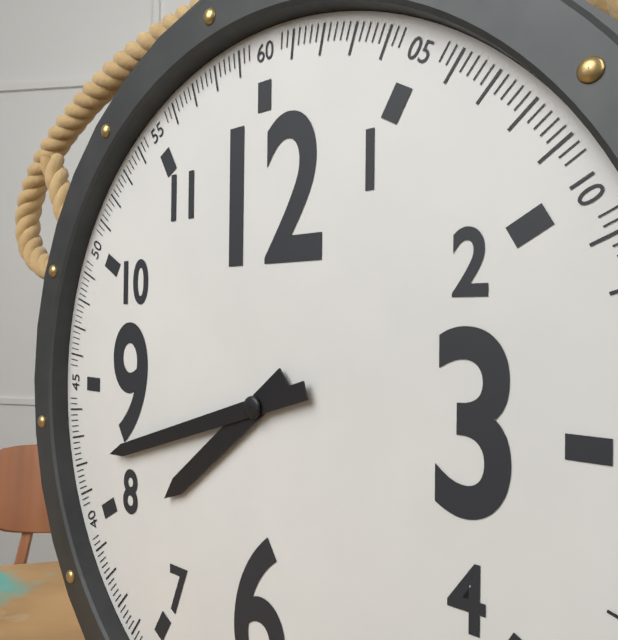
{"hour": 7, "minute": 42}
